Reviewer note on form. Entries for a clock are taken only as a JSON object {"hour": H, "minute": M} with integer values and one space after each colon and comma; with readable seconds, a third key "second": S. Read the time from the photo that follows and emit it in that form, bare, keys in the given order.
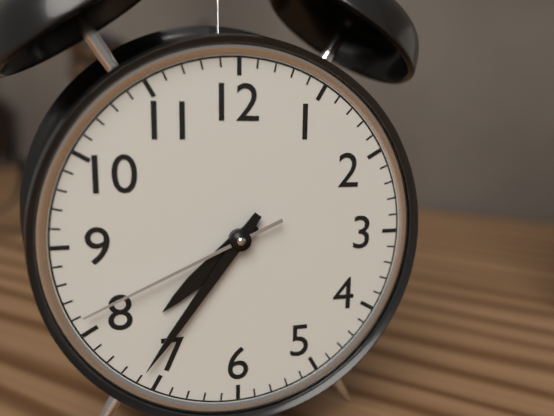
{"hour": 7, "minute": 36, "second": 41}
